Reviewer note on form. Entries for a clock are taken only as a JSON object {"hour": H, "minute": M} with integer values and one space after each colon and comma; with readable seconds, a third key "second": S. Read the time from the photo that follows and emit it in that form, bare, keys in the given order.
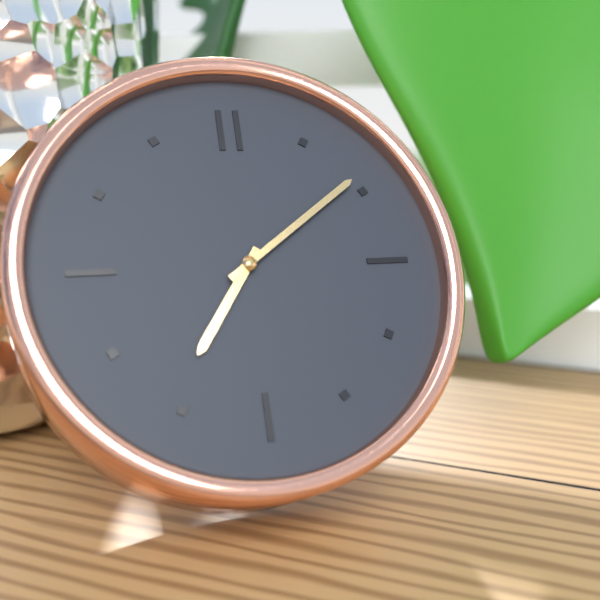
{"hour": 7, "minute": 9}
